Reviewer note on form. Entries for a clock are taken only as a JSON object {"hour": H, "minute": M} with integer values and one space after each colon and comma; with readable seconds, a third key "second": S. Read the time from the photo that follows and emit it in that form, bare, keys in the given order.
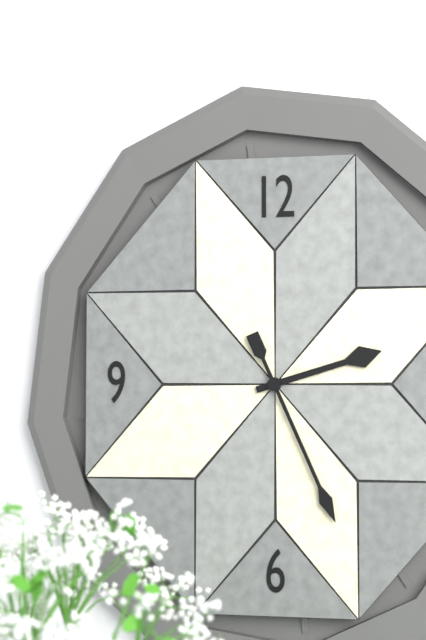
{"hour": 2, "minute": 26}
